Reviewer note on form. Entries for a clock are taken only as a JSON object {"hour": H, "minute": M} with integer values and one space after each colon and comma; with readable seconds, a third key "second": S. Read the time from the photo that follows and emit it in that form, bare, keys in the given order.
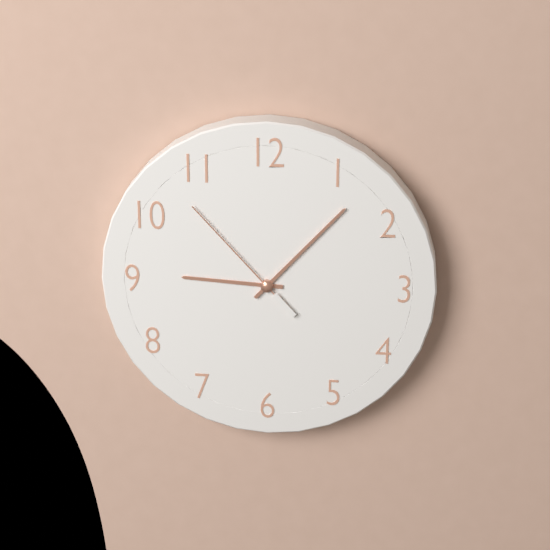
{"hour": 9, "minute": 7, "second": 53}
